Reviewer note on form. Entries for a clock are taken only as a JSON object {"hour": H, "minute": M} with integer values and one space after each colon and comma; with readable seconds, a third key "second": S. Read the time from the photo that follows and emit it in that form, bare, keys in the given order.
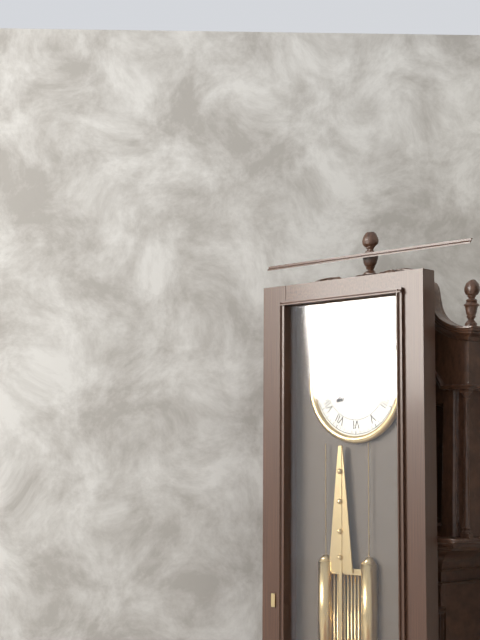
{"hour": 7, "minute": 47}
